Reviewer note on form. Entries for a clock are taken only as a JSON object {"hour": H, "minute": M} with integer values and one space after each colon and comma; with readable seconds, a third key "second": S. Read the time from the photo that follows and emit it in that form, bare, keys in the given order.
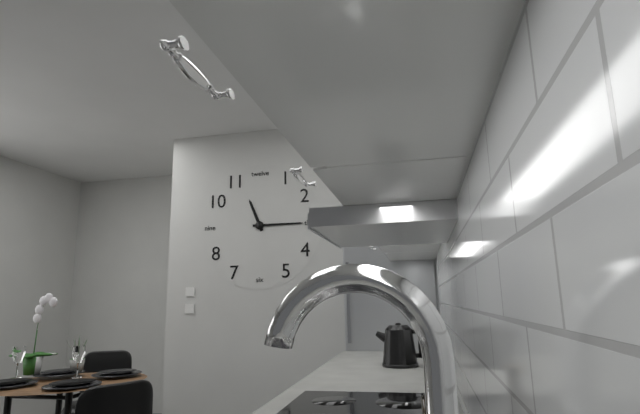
{"hour": 11, "minute": 15}
